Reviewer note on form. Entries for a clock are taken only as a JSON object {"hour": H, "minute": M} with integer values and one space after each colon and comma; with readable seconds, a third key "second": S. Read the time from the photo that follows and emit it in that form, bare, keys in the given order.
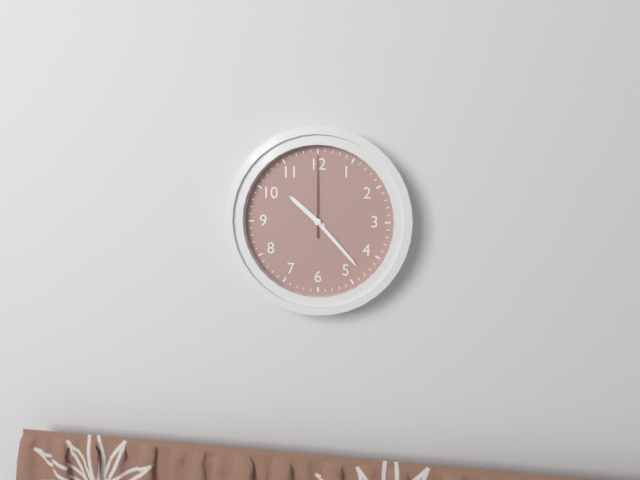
{"hour": 10, "minute": 23, "second": 0}
